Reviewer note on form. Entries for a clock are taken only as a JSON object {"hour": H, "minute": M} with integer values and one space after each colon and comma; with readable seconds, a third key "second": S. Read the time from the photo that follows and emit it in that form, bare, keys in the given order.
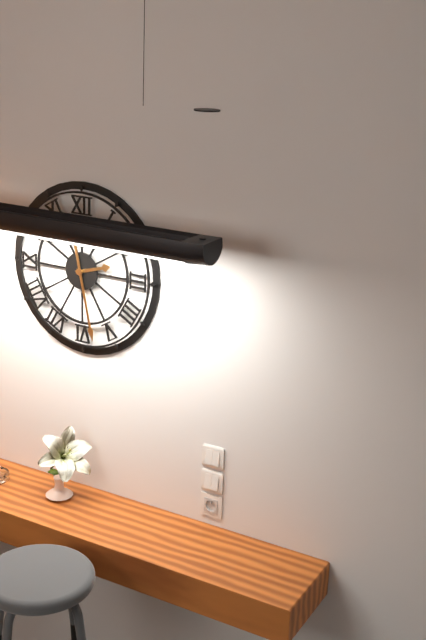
{"hour": 2, "minute": 28}
